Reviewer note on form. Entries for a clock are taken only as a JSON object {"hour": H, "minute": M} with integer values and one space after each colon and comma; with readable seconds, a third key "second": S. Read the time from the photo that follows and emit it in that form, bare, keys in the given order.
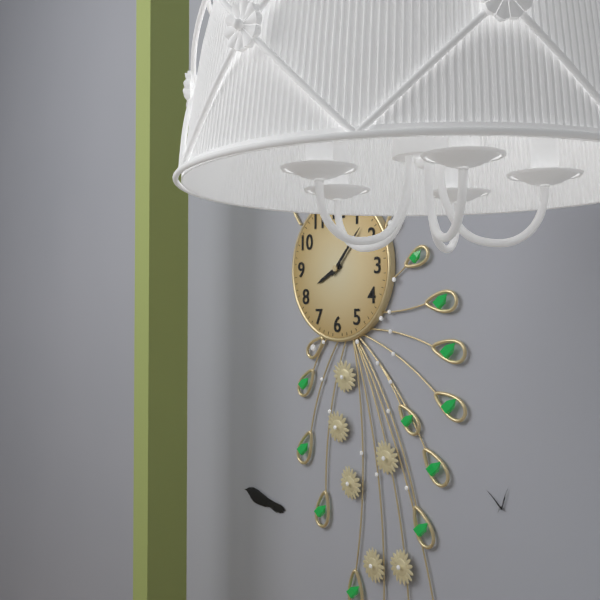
{"hour": 8, "minute": 7}
